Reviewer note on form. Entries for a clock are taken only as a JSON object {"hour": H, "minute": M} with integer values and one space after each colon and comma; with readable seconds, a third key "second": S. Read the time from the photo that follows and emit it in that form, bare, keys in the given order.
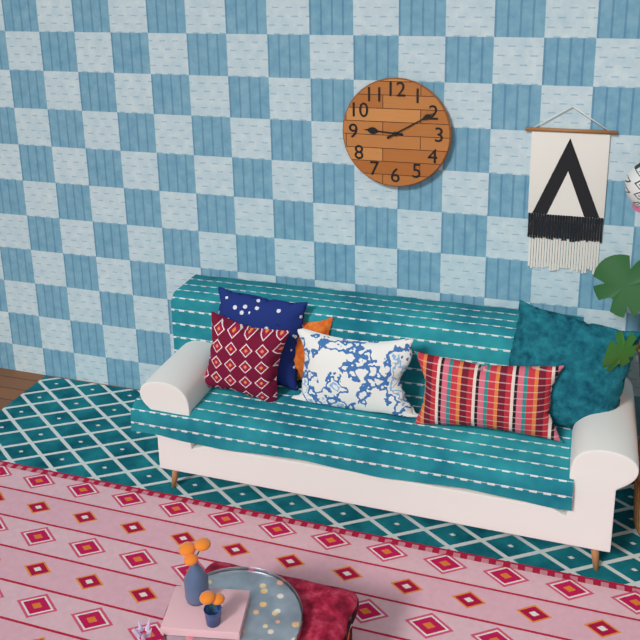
{"hour": 9, "minute": 10}
